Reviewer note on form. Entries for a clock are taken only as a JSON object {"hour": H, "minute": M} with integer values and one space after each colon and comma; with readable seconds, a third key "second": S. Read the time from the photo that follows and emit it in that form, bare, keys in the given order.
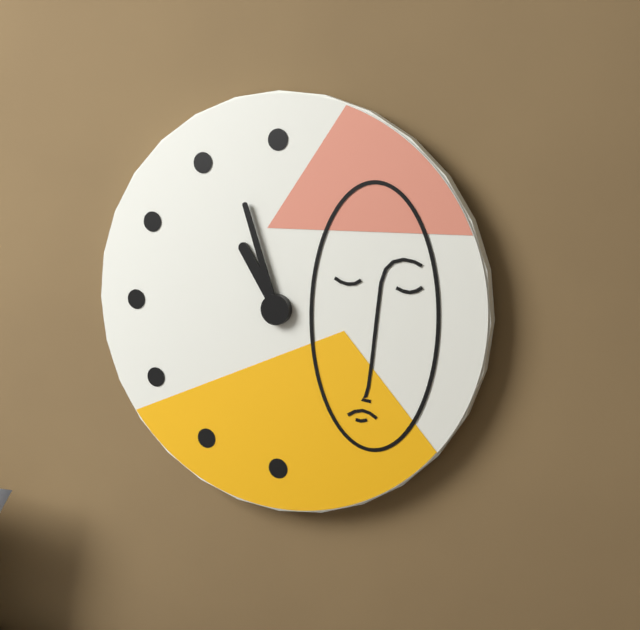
{"hour": 10, "minute": 57}
